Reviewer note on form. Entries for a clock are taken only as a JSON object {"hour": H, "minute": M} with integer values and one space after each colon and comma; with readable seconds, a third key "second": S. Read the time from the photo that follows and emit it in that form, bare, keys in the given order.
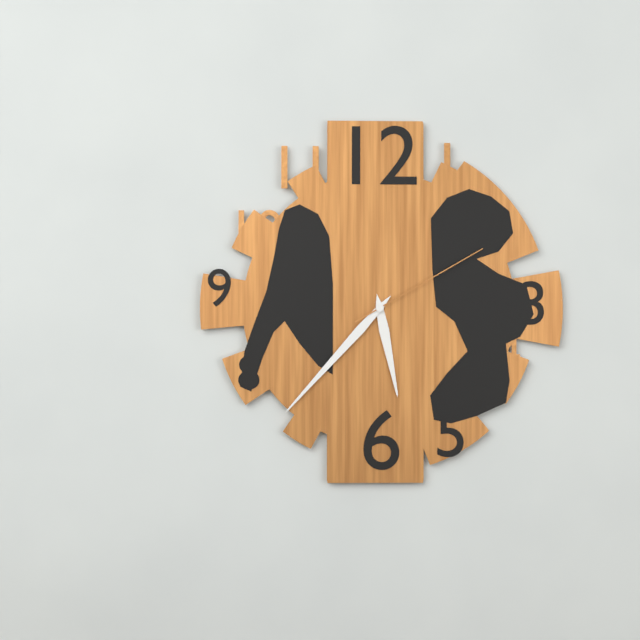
{"hour": 5, "minute": 37, "second": 10}
